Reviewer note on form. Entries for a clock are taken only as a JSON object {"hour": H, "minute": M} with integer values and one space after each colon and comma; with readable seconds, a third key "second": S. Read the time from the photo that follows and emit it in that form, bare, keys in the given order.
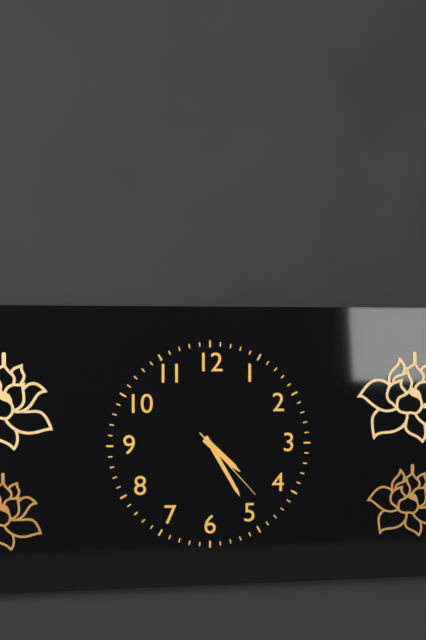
{"hour": 4, "minute": 25, "second": 23}
